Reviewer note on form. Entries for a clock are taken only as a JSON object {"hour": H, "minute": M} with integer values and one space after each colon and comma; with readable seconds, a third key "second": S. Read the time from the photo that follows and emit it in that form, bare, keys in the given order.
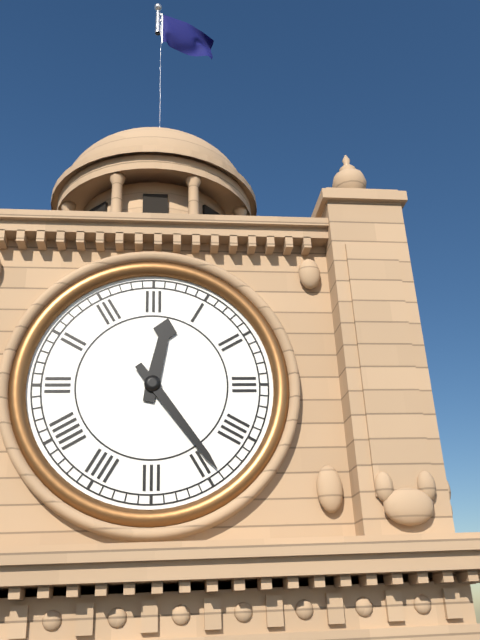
{"hour": 12, "minute": 24}
